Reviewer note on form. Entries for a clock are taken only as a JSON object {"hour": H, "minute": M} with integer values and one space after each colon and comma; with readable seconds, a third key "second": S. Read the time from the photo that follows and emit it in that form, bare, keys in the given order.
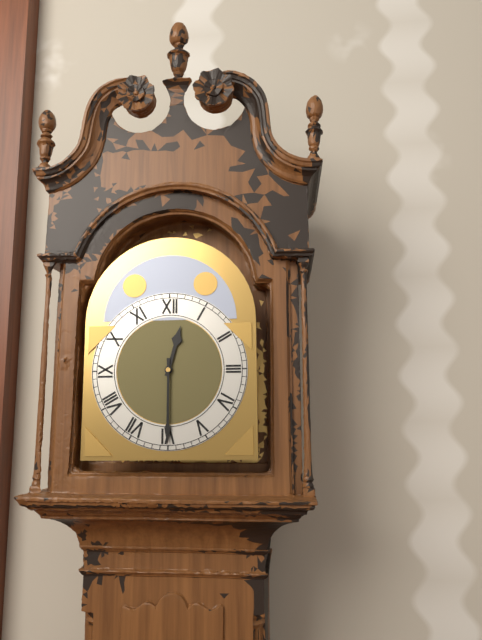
{"hour": 12, "minute": 30}
